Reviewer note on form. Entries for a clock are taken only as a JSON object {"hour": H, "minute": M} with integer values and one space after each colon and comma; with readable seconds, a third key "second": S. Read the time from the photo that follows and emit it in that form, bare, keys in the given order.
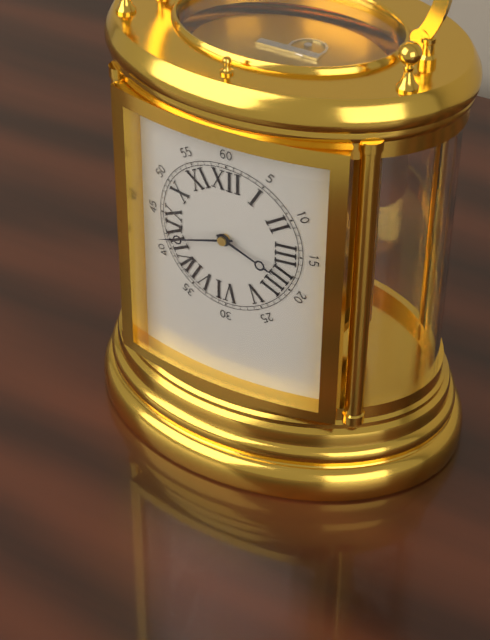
{"hour": 3, "minute": 42}
